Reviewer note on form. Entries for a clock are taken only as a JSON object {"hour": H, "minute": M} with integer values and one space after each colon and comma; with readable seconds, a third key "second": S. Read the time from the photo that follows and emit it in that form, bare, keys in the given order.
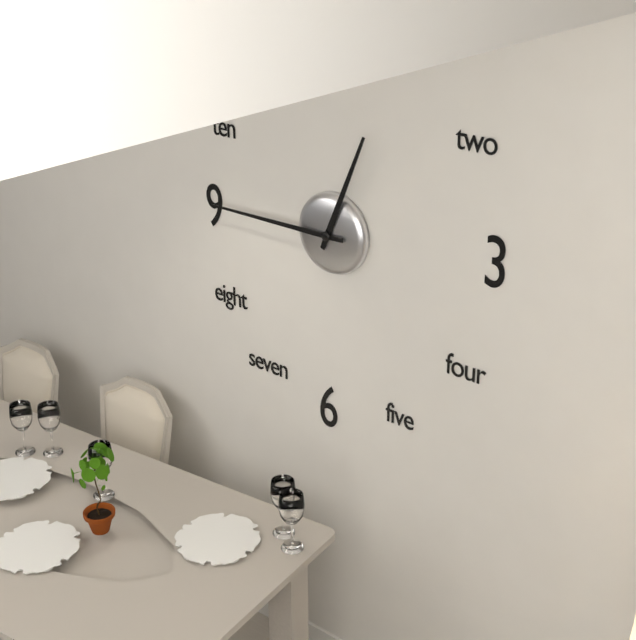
{"hour": 12, "minute": 45}
